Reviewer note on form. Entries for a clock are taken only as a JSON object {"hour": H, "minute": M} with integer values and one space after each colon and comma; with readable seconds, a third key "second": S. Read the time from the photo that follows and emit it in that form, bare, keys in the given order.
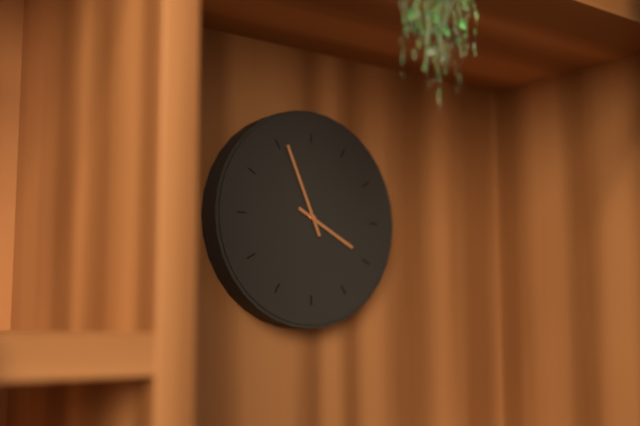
{"hour": 3, "minute": 56}
